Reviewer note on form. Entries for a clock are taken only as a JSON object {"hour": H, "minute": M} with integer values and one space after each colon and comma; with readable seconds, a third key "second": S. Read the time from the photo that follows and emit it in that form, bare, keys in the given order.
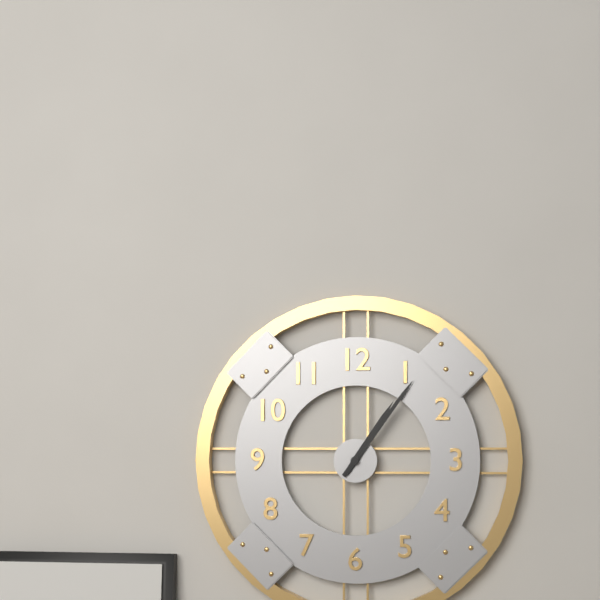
{"hour": 1, "minute": 6}
